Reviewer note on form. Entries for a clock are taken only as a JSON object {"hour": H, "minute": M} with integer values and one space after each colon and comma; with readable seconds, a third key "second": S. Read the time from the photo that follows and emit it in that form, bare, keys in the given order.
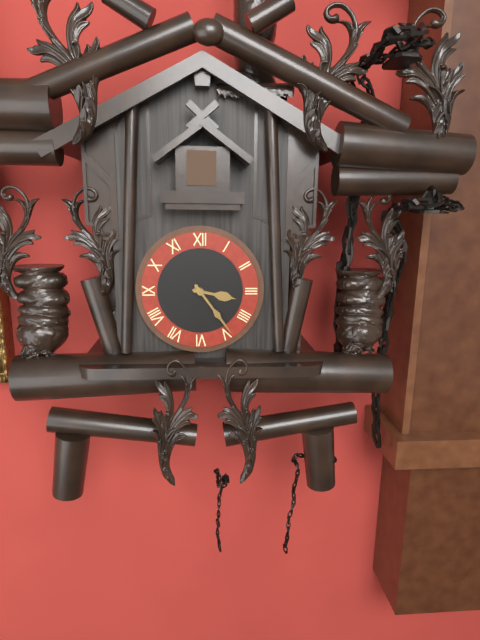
{"hour": 3, "minute": 24}
